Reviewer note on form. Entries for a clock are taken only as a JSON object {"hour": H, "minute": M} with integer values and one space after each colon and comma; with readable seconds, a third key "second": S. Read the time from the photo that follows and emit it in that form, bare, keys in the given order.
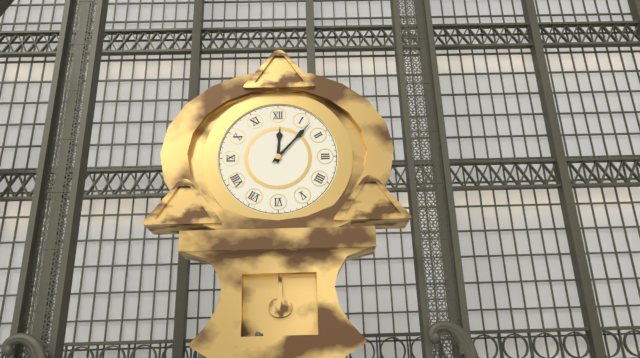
{"hour": 12, "minute": 7}
